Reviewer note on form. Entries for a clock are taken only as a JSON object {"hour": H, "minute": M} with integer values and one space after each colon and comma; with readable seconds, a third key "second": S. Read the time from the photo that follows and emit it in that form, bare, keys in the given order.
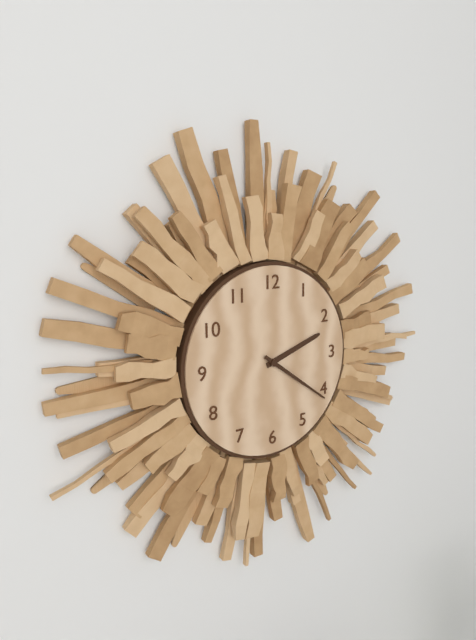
{"hour": 2, "minute": 21}
